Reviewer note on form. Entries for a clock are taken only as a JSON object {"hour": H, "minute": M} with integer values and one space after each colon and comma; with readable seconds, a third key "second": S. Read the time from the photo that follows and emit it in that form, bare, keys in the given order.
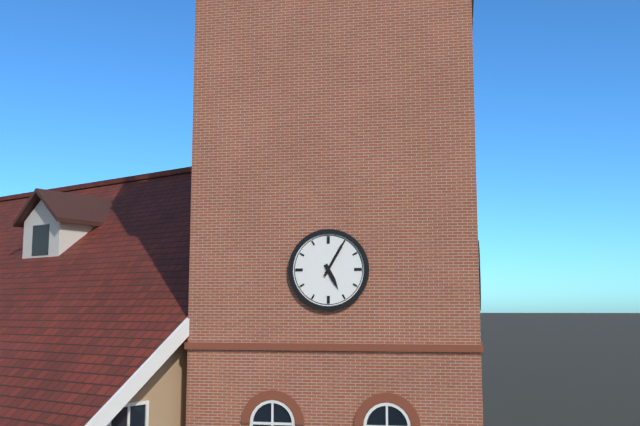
{"hour": 5, "minute": 5}
